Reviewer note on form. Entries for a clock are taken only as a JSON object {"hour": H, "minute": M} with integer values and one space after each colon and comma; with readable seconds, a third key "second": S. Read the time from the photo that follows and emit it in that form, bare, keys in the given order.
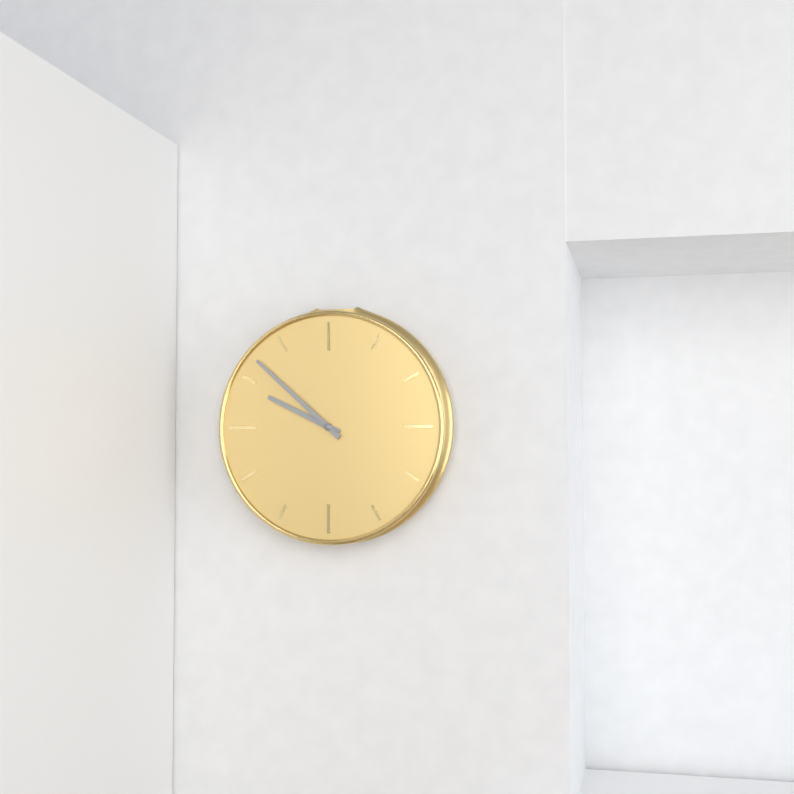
{"hour": 9, "minute": 52}
